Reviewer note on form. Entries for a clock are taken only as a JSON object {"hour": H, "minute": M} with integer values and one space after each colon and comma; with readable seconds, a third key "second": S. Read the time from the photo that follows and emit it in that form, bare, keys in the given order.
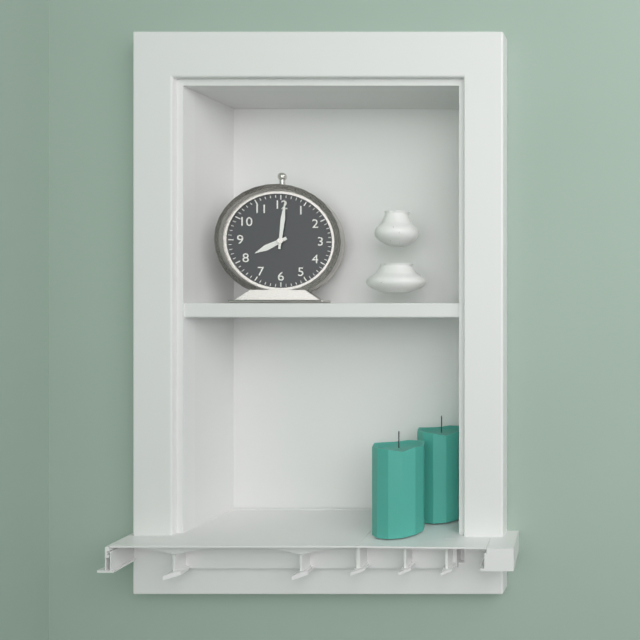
{"hour": 8, "minute": 1}
